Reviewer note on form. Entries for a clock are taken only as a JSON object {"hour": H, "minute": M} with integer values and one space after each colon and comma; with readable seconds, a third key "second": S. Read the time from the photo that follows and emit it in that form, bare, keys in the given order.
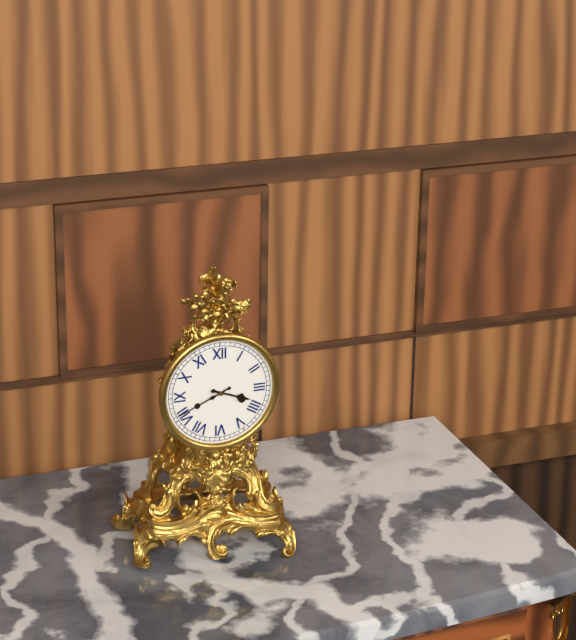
{"hour": 3, "minute": 41}
